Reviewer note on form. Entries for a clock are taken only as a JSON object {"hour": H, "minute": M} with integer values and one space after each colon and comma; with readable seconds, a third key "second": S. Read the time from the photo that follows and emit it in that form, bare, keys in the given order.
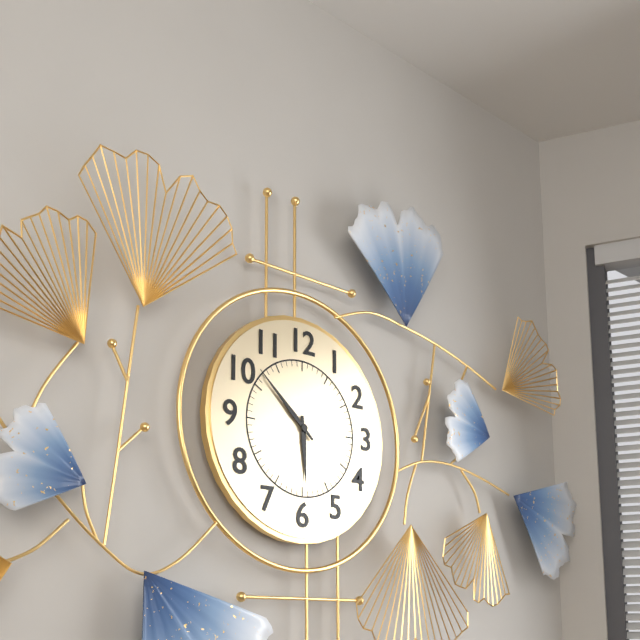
{"hour": 5, "minute": 52}
